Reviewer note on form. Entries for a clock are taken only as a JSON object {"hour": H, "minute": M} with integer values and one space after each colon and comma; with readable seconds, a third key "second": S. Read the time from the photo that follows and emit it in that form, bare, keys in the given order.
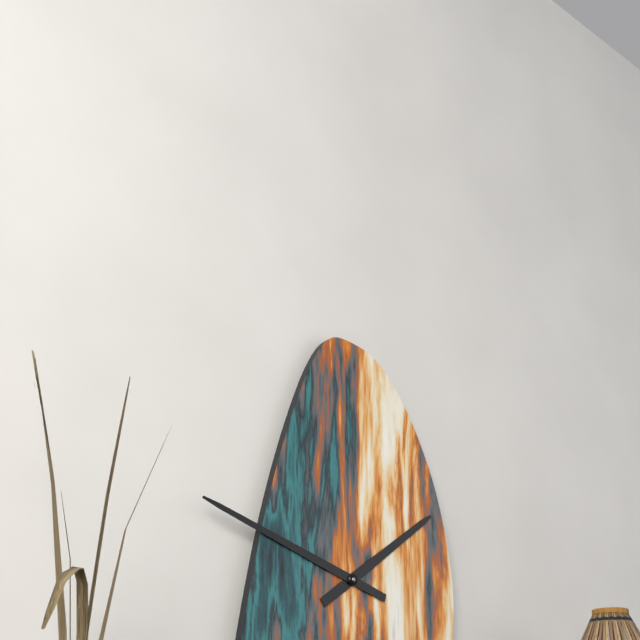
{"hour": 1, "minute": 48}
